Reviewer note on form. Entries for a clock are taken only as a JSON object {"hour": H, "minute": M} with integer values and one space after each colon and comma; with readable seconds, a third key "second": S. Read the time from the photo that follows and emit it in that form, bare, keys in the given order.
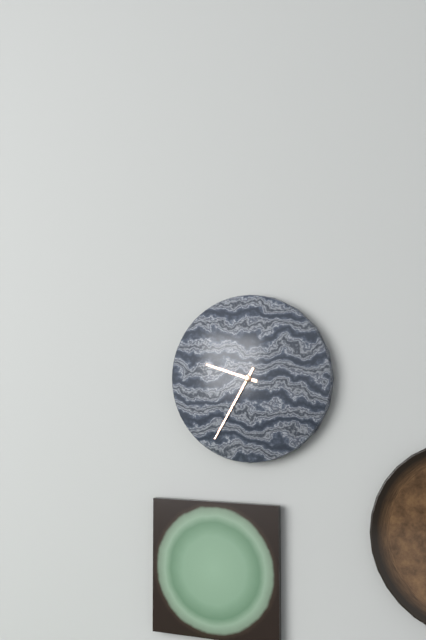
{"hour": 9, "minute": 35}
